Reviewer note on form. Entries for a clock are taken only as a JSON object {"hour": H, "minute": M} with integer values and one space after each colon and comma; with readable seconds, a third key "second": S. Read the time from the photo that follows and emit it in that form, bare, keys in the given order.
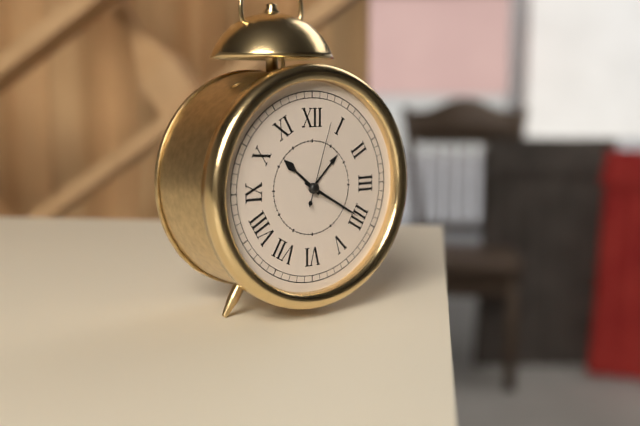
{"hour": 10, "minute": 20, "second": 3}
